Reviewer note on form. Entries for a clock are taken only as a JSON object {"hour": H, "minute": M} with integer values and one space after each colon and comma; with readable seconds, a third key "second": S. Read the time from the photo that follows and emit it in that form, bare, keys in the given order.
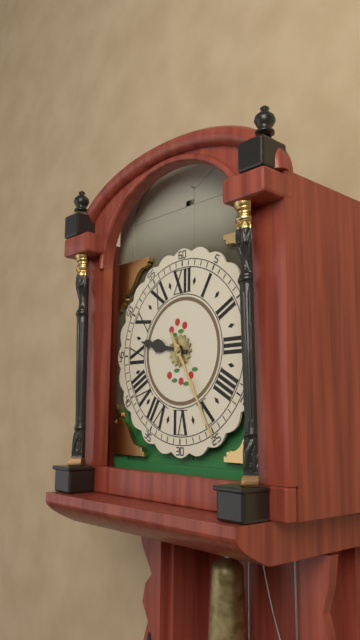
{"hour": 9, "minute": 25}
